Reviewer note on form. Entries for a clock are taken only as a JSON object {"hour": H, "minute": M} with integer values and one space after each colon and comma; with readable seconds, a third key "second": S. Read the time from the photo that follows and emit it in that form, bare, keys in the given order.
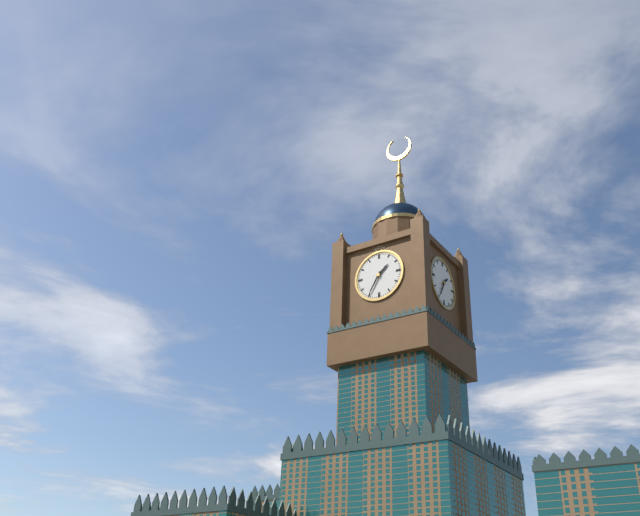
{"hour": 1, "minute": 35}
